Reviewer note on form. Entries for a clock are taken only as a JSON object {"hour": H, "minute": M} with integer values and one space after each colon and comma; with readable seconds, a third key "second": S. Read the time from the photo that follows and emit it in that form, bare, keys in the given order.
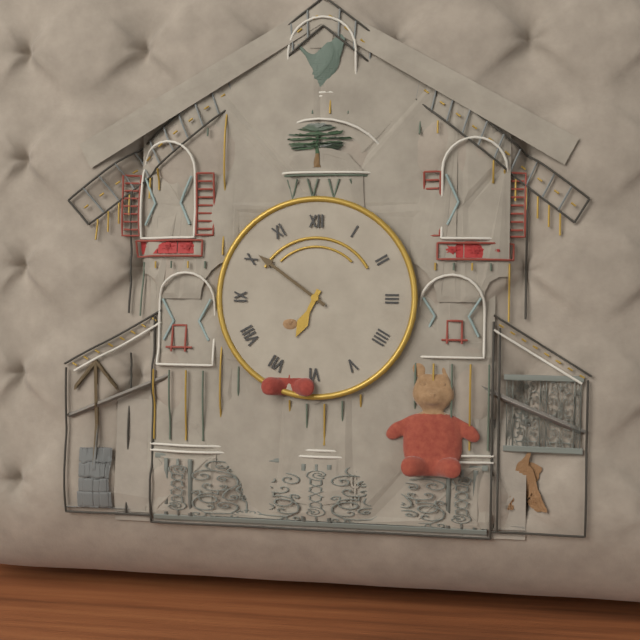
{"hour": 6, "minute": 51}
